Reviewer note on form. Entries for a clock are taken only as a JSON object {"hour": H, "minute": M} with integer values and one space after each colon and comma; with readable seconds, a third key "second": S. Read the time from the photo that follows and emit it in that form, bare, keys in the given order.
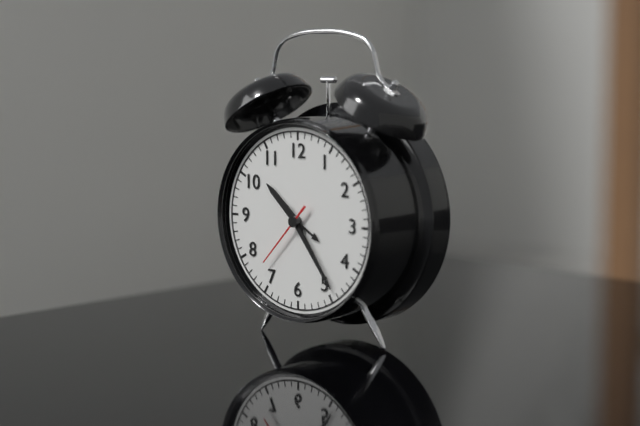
{"hour": 10, "minute": 24, "second": 37}
